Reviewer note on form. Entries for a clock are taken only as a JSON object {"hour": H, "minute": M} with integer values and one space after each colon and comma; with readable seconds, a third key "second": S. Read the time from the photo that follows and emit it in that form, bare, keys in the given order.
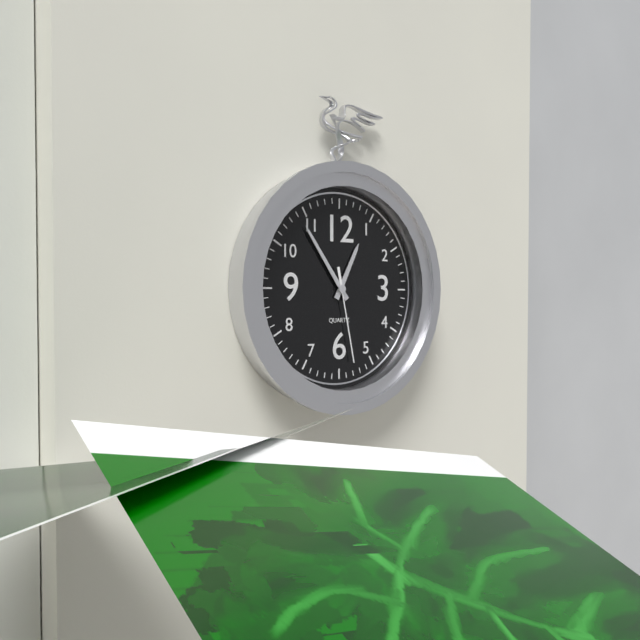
{"hour": 12, "minute": 54, "second": 28}
